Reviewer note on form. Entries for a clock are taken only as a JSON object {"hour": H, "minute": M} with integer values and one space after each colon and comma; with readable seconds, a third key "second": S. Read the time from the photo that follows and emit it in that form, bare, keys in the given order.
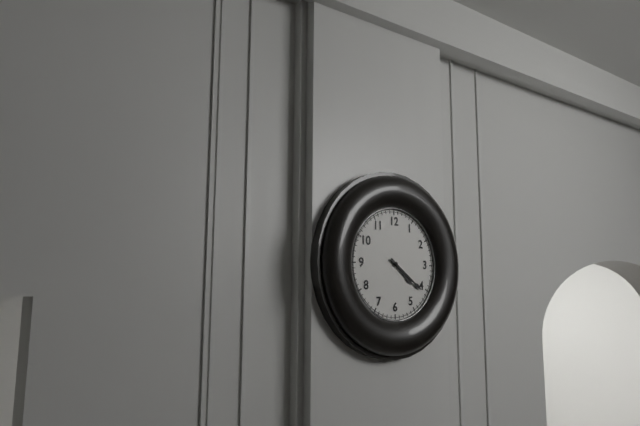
{"hour": 4, "minute": 21}
